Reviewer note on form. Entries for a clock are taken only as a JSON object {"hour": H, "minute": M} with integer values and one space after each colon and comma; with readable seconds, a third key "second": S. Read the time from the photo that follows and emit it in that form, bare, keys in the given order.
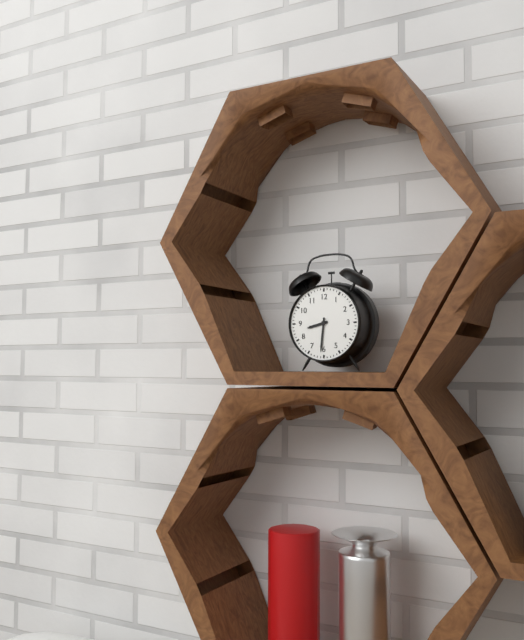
{"hour": 8, "minute": 31}
